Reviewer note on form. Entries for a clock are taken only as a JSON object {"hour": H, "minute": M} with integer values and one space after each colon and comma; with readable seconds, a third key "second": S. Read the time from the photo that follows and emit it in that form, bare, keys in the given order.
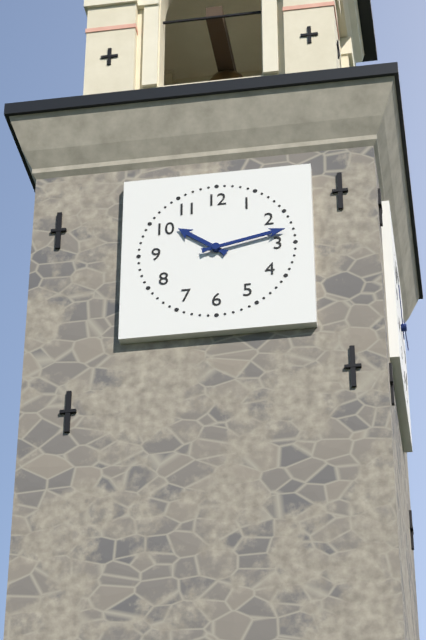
{"hour": 10, "minute": 13}
